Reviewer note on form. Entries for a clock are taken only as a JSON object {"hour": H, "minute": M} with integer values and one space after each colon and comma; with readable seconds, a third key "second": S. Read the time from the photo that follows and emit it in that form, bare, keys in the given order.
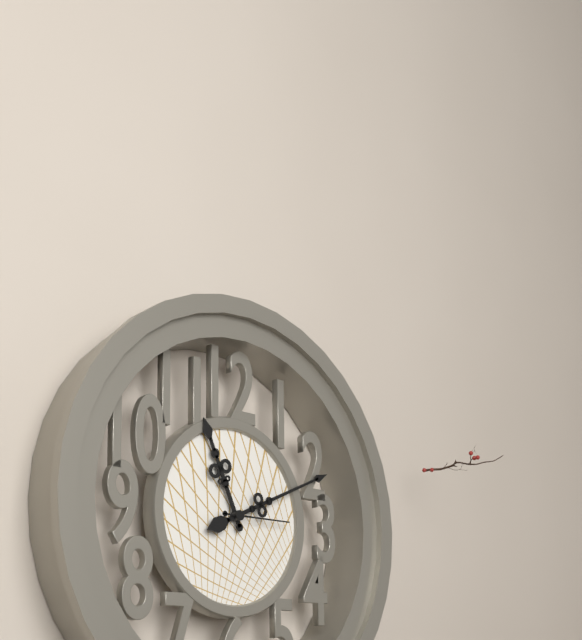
{"hour": 11, "minute": 11, "second": 15}
